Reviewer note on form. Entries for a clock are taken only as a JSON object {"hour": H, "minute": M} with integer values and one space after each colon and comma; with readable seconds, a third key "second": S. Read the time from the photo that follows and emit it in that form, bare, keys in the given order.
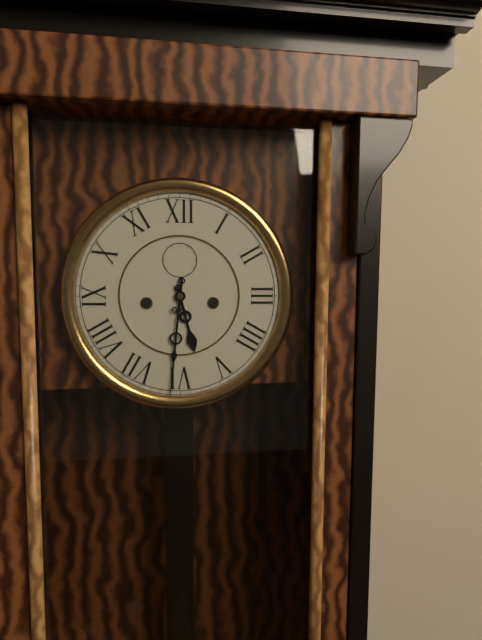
{"hour": 5, "minute": 31}
